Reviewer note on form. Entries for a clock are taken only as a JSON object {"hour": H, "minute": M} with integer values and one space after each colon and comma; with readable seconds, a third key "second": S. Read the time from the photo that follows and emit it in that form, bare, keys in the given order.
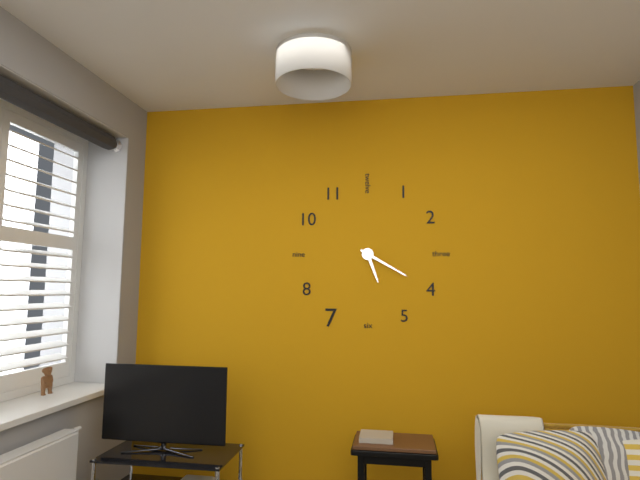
{"hour": 5, "minute": 20}
